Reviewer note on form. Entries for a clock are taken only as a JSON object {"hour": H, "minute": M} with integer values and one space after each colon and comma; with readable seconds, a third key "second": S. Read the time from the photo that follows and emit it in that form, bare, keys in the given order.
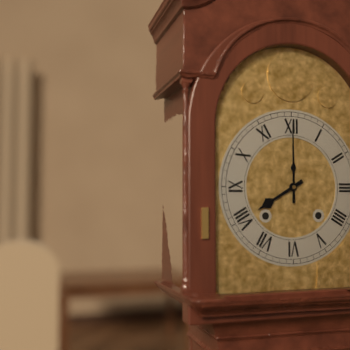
{"hour": 8, "minute": 0}
